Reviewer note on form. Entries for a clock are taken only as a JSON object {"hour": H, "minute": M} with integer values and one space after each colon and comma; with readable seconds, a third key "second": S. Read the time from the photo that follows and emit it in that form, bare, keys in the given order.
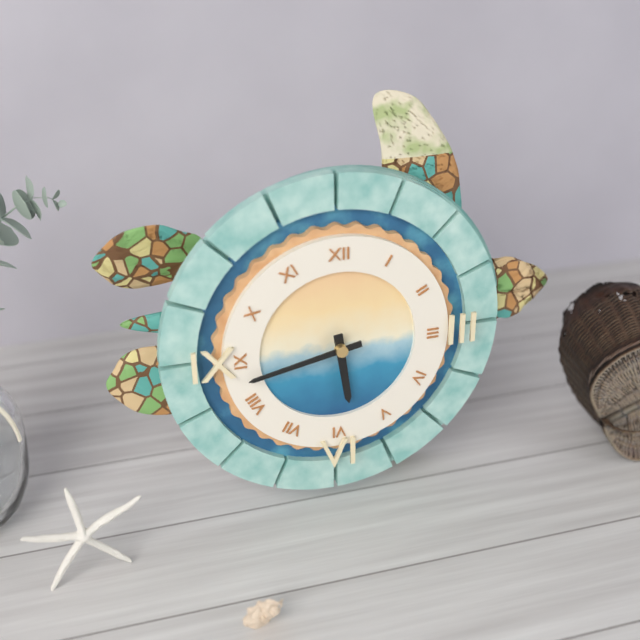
{"hour": 5, "minute": 43}
